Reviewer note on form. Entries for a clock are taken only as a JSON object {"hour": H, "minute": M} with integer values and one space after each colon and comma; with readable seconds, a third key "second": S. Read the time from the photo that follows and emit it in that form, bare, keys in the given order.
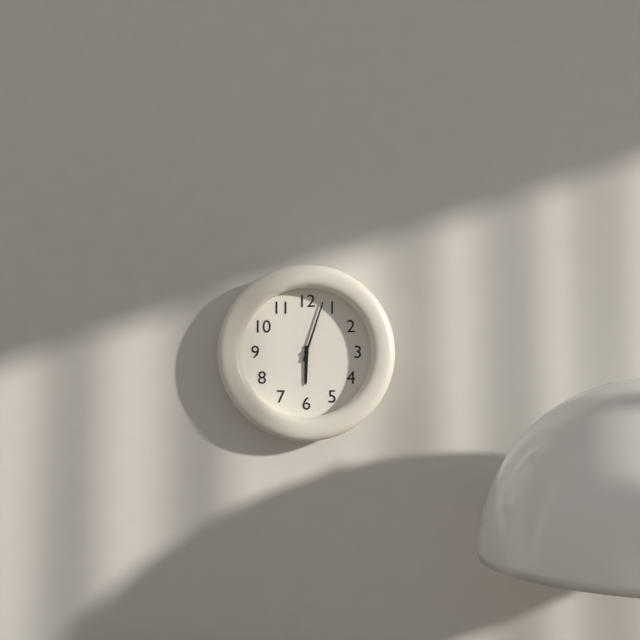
{"hour": 6, "minute": 3}
